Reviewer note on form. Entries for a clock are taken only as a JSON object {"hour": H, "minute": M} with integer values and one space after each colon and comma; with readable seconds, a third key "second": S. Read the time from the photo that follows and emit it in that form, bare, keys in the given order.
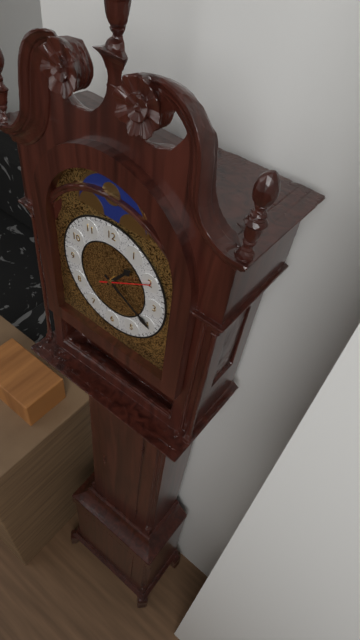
{"hour": 1, "minute": 20, "second": 10}
